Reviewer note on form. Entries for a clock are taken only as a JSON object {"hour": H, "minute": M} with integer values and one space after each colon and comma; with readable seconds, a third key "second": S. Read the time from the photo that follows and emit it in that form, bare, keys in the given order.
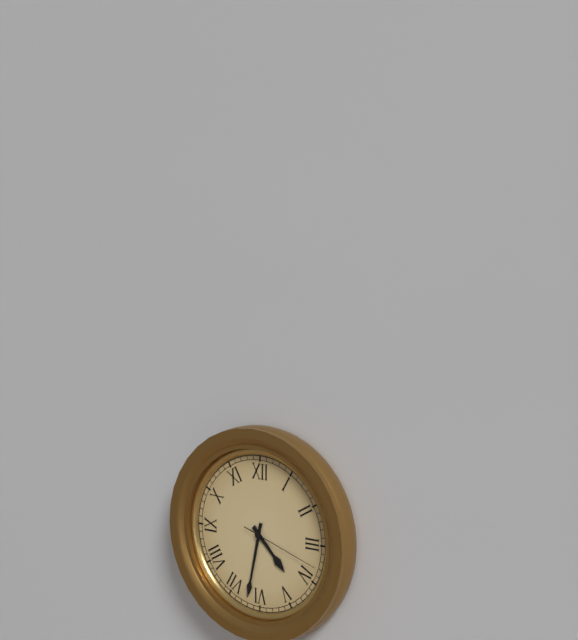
{"hour": 4, "minute": 32, "second": 18}
